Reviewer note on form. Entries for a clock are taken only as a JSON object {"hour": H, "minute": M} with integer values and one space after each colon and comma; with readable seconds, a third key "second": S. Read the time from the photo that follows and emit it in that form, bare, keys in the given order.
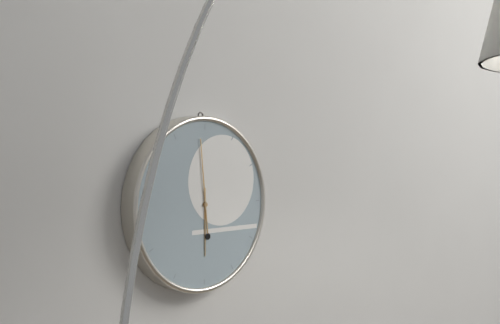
{"hour": 5, "minute": 59}
